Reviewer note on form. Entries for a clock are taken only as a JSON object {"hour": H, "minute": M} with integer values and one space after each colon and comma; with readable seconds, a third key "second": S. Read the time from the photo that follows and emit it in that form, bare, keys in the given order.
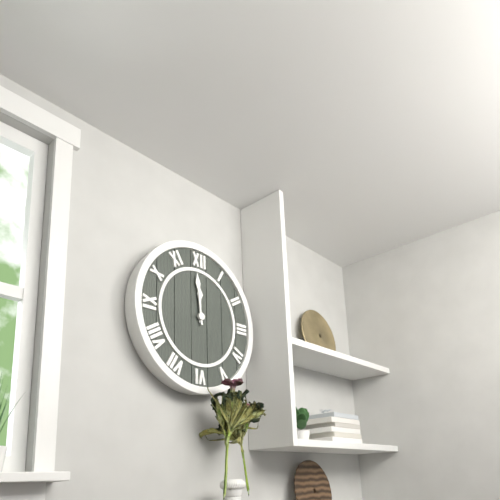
{"hour": 11, "minute": 59}
